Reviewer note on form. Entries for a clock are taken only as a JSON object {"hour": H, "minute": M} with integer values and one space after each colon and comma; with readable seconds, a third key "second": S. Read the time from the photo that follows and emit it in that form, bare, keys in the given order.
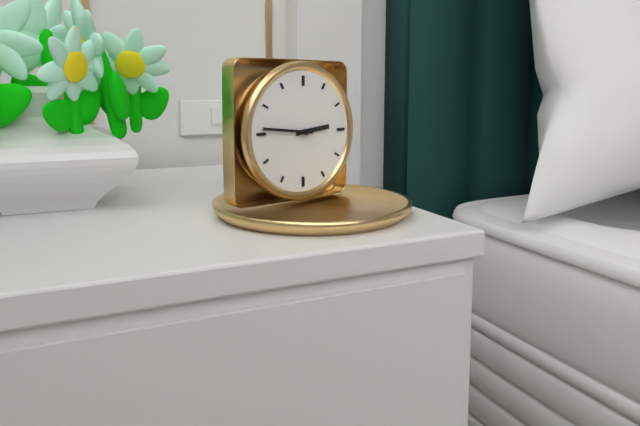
{"hour": 2, "minute": 46}
